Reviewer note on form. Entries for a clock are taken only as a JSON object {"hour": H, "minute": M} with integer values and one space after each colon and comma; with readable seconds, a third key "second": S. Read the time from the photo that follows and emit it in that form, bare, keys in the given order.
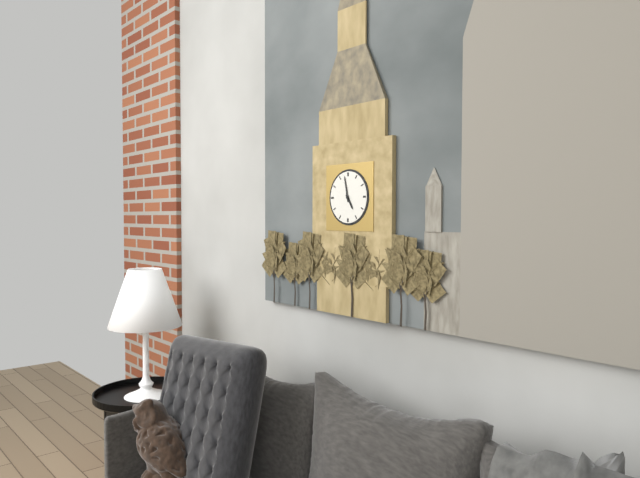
{"hour": 4, "minute": 58}
